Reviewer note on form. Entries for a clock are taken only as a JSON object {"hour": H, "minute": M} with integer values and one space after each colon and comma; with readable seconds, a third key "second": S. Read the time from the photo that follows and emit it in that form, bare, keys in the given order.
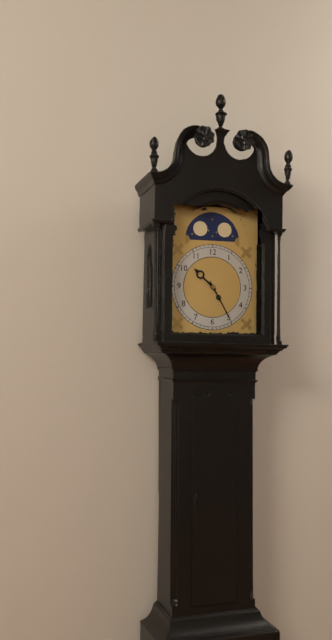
{"hour": 10, "minute": 25}
